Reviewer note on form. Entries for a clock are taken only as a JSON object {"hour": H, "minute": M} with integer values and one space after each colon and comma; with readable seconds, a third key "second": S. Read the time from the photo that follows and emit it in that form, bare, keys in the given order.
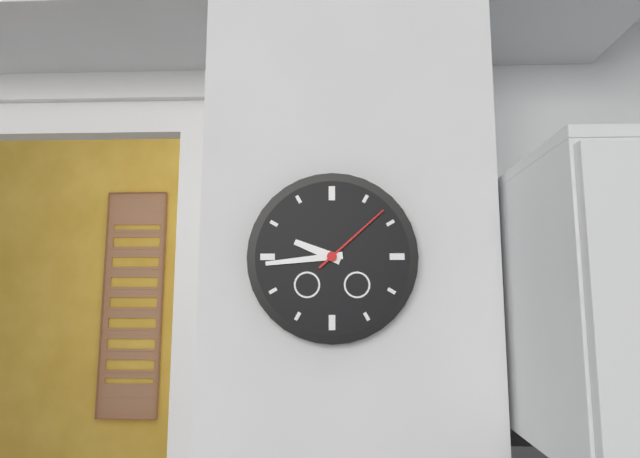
{"hour": 9, "minute": 44, "second": 8}
